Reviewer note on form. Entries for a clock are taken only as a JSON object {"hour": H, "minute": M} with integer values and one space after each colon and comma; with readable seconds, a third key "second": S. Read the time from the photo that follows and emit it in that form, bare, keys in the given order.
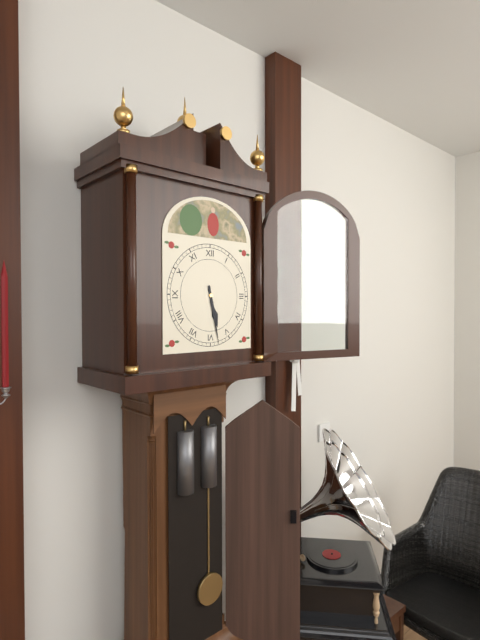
{"hour": 5, "minute": 28}
